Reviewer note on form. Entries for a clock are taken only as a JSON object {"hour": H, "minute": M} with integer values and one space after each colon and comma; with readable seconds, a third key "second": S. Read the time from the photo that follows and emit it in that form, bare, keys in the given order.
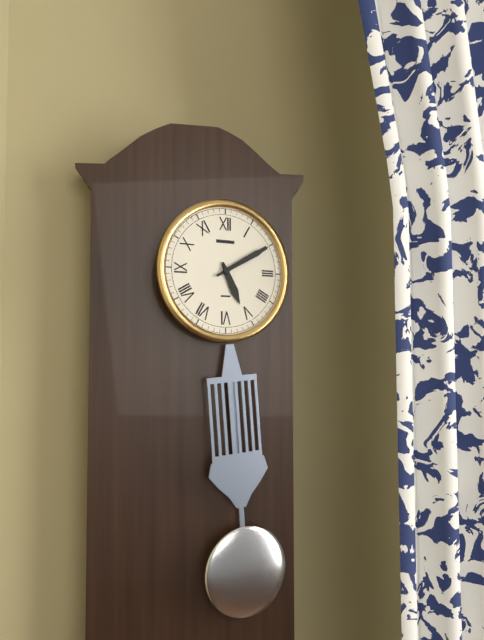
{"hour": 5, "minute": 10}
